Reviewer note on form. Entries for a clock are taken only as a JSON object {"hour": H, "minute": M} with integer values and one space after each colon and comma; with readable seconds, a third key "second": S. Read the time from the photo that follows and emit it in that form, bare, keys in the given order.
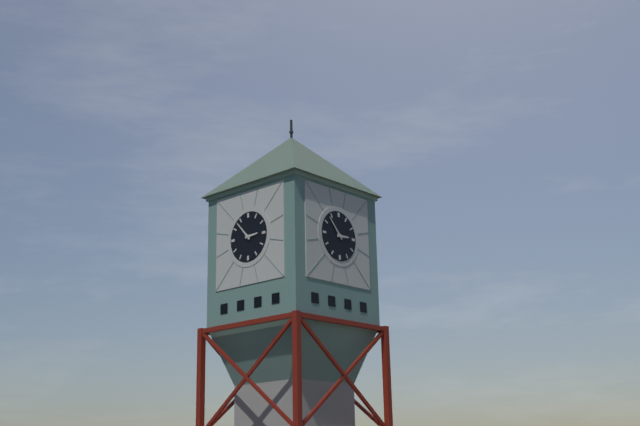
{"hour": 2, "minute": 53}
